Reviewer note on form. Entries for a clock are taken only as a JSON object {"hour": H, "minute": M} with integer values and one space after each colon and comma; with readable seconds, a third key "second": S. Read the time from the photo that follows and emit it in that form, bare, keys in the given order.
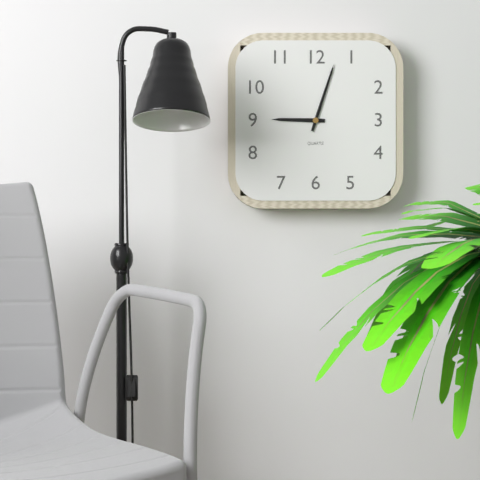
{"hour": 9, "minute": 3}
